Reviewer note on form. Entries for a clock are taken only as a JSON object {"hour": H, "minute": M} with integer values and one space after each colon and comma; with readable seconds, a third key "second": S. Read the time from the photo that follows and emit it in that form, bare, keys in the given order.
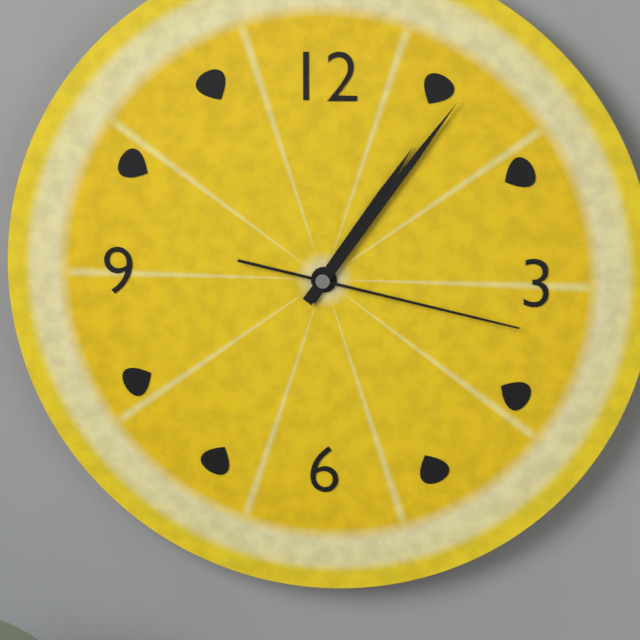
{"hour": 1, "minute": 6, "second": 17}
